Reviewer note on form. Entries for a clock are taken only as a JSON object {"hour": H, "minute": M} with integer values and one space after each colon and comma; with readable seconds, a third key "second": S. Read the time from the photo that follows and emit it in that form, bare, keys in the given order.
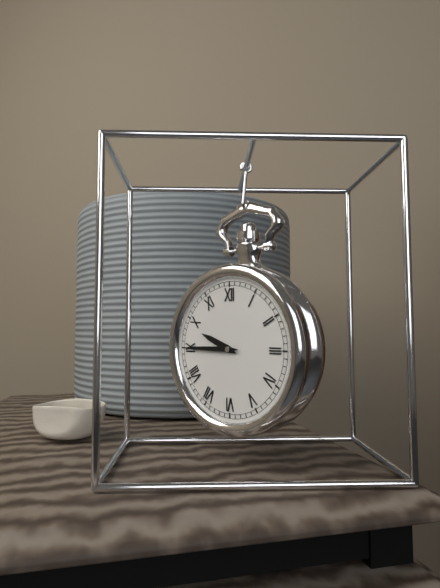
{"hour": 9, "minute": 45}
